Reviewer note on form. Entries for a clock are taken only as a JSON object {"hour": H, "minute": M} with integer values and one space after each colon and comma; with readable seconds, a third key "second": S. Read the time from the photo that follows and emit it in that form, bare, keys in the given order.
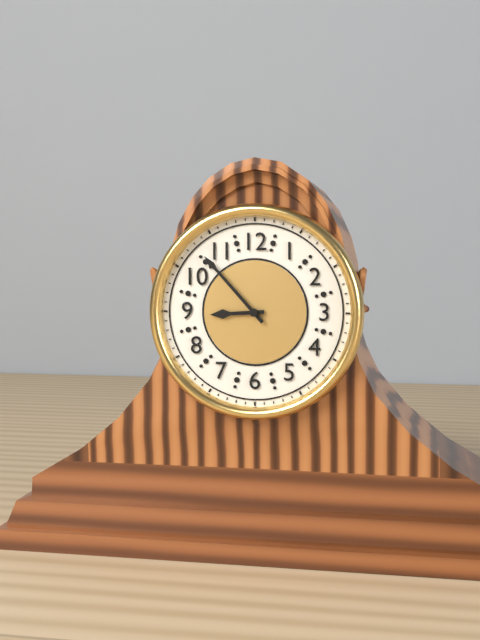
{"hour": 8, "minute": 53}
